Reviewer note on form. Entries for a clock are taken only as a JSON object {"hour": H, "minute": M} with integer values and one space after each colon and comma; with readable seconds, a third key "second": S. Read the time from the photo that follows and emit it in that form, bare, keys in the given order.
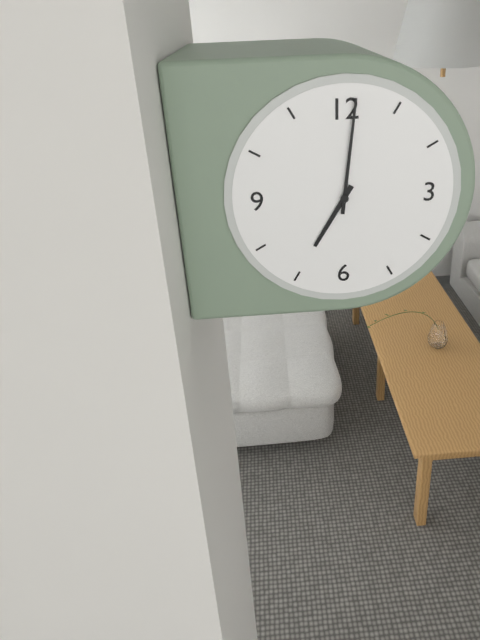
{"hour": 7, "minute": 1}
